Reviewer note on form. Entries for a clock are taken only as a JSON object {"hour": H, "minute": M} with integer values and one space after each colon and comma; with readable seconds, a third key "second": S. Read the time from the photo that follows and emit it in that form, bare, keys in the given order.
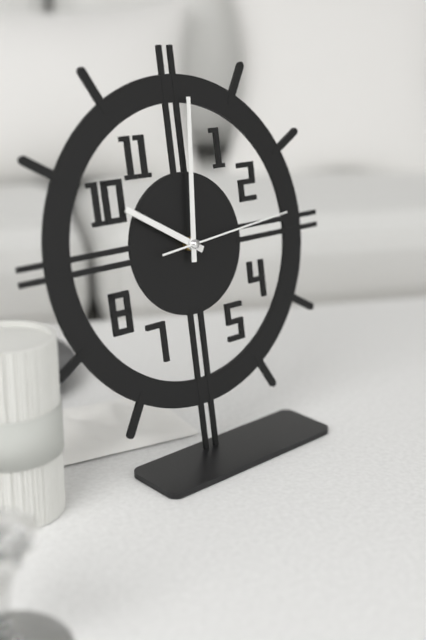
{"hour": 10, "minute": 1, "second": 14}
